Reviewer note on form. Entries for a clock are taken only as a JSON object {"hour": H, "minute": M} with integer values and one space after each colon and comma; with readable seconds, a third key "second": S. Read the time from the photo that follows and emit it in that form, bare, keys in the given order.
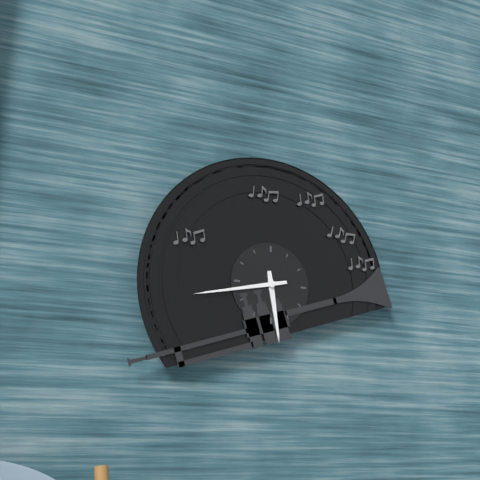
{"hour": 5, "minute": 43}
